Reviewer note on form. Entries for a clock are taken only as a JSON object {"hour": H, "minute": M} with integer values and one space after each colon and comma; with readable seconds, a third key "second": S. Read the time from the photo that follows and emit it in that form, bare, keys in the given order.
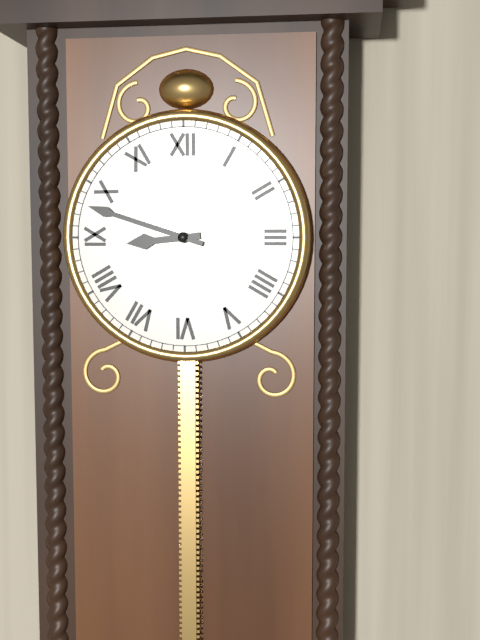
{"hour": 8, "minute": 48}
